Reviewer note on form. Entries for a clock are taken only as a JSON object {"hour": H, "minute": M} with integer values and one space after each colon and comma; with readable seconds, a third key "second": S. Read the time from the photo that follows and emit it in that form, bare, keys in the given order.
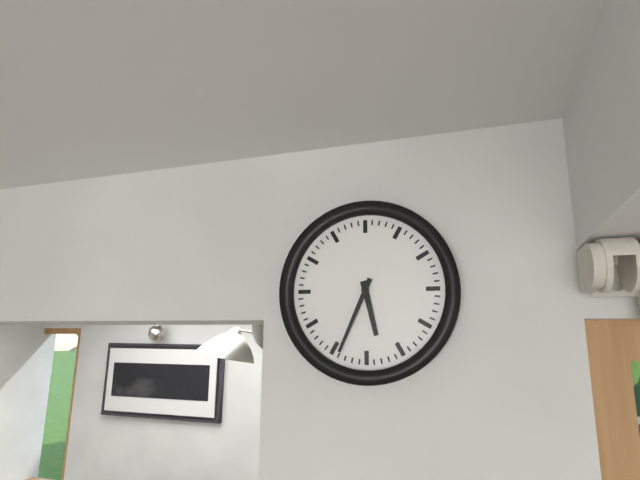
{"hour": 5, "minute": 34}
